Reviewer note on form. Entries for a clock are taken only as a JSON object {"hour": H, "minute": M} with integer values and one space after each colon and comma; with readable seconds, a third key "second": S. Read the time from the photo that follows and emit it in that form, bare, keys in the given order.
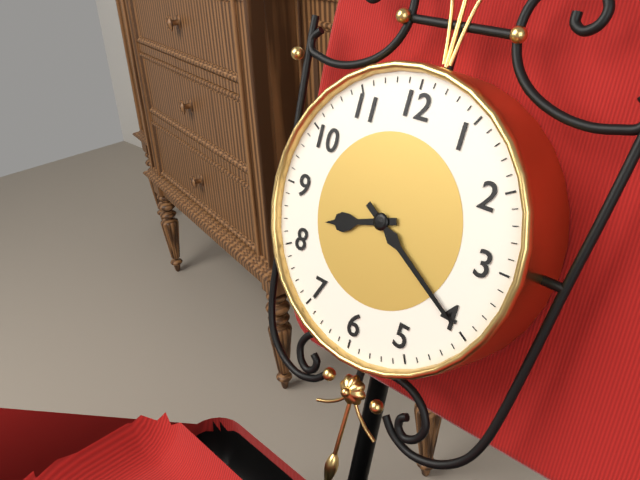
{"hour": 8, "minute": 20}
